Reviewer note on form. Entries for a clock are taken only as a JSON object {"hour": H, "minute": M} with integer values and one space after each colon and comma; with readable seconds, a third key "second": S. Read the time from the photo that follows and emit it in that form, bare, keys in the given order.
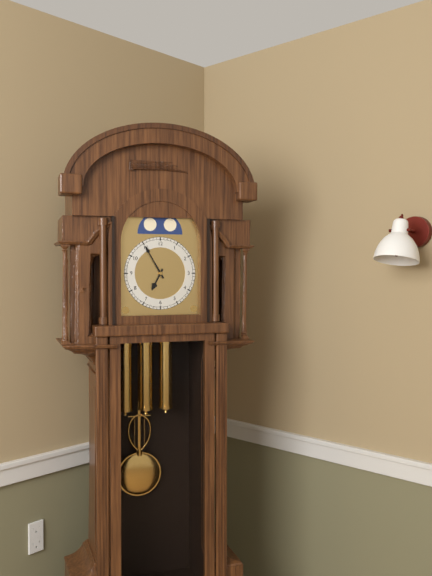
{"hour": 6, "minute": 55}
